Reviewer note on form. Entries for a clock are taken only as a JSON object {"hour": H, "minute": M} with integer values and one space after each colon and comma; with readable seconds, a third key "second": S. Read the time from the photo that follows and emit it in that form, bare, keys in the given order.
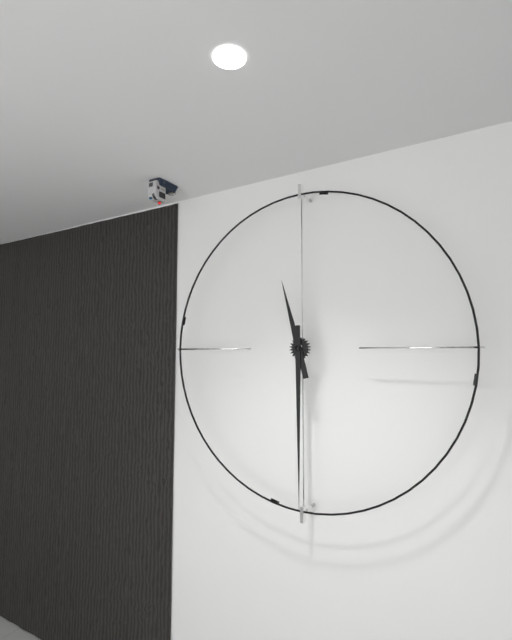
{"hour": 11, "minute": 30}
